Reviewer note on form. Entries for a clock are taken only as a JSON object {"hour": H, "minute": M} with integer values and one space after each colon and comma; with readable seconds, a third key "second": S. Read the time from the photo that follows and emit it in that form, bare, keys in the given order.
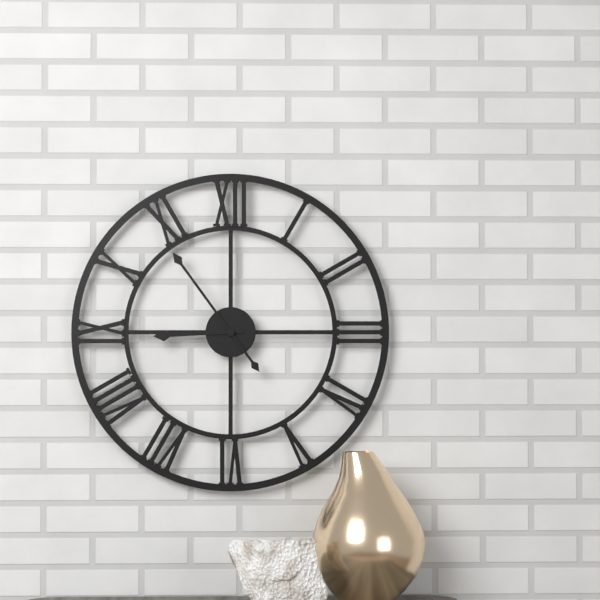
{"hour": 8, "minute": 54}
